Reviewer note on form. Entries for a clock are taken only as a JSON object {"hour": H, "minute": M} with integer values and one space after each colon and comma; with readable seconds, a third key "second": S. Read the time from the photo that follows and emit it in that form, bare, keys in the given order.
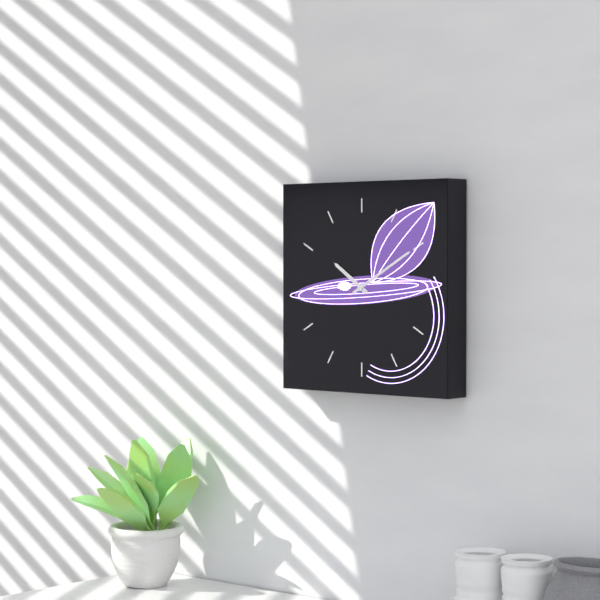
{"hour": 10, "minute": 10}
